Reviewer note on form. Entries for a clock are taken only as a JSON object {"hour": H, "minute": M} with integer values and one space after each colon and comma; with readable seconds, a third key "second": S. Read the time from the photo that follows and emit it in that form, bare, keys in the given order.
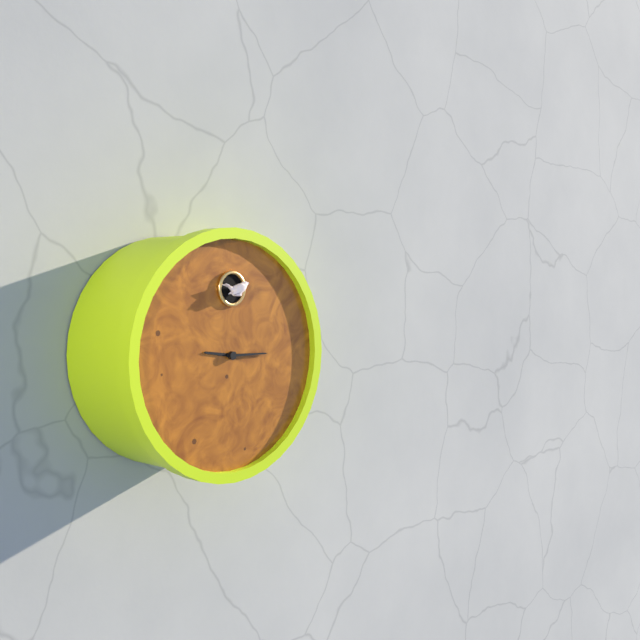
{"hour": 9, "minute": 15}
